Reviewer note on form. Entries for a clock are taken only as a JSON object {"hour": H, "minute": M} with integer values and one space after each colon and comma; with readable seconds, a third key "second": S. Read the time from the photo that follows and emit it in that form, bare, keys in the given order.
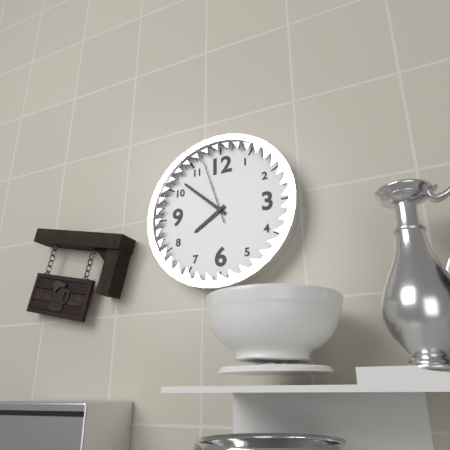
{"hour": 7, "minute": 52, "second": 57}
